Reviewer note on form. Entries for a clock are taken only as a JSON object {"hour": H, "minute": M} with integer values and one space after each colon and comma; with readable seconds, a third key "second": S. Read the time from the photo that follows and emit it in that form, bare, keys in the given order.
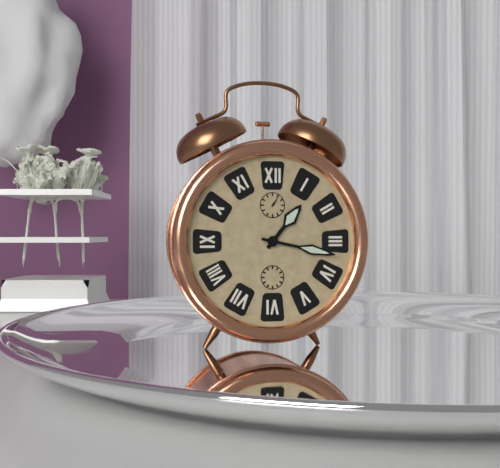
{"hour": 1, "minute": 17}
